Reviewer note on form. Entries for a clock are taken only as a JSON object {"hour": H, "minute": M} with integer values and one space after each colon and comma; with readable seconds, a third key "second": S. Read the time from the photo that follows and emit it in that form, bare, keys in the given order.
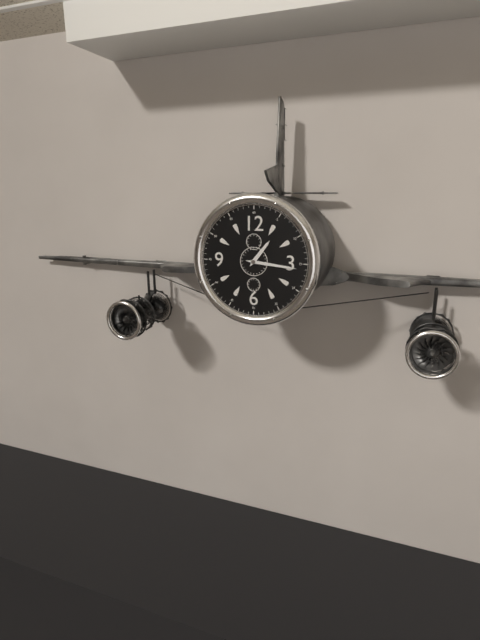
{"hour": 1, "minute": 16}
